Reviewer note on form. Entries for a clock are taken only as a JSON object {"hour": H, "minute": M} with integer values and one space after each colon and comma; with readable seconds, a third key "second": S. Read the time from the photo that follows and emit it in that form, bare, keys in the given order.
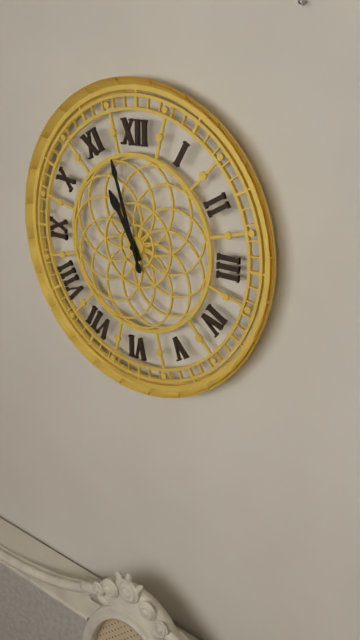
{"hour": 10, "minute": 57}
